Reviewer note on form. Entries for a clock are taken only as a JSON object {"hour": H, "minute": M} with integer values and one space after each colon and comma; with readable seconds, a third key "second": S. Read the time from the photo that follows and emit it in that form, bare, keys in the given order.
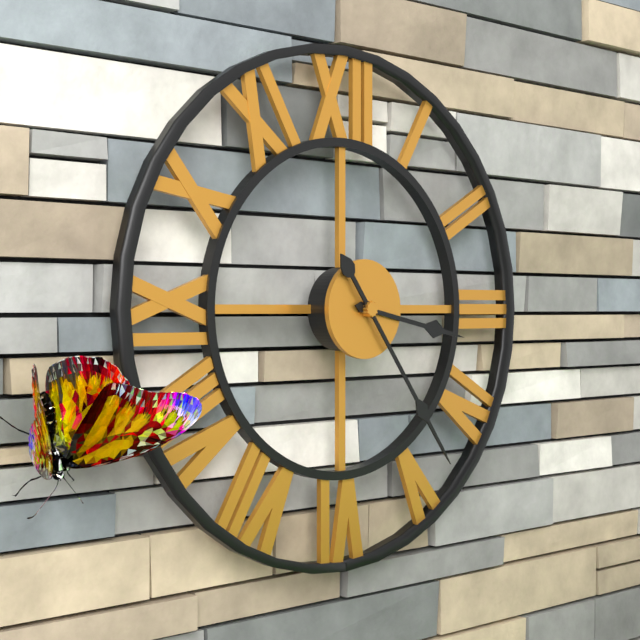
{"hour": 3, "minute": 24}
